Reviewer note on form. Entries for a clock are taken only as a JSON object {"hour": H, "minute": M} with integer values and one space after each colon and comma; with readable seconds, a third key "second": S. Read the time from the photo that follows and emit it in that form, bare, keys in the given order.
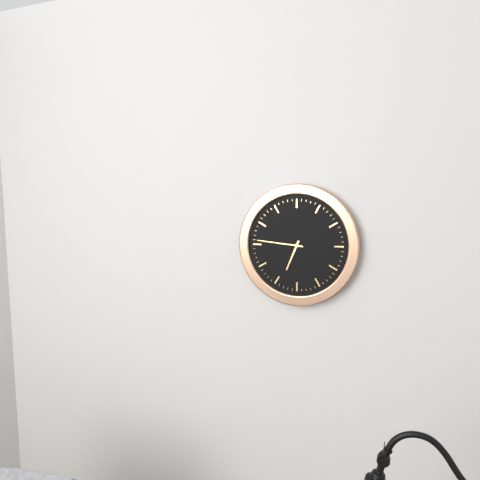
{"hour": 6, "minute": 46}
